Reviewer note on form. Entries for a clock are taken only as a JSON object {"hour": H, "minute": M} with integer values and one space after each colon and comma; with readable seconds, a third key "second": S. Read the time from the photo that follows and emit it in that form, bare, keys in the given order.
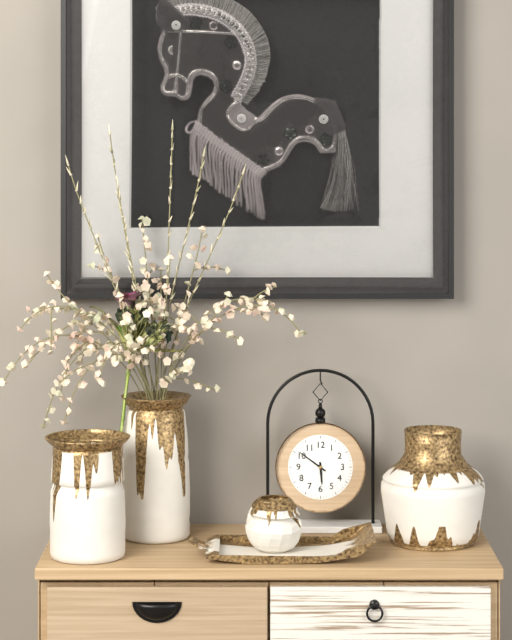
{"hour": 5, "minute": 51}
